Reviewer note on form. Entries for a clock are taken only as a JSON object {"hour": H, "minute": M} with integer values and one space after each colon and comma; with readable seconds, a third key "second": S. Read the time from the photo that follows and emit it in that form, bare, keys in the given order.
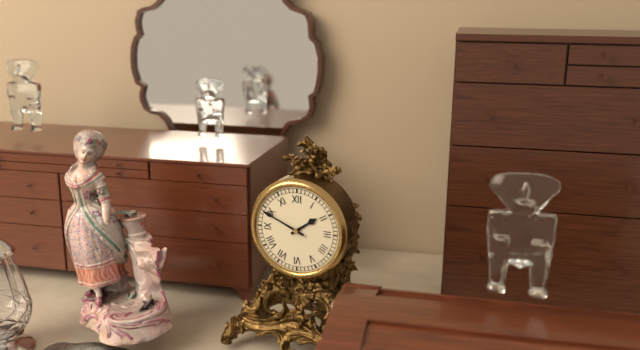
{"hour": 1, "minute": 49}
